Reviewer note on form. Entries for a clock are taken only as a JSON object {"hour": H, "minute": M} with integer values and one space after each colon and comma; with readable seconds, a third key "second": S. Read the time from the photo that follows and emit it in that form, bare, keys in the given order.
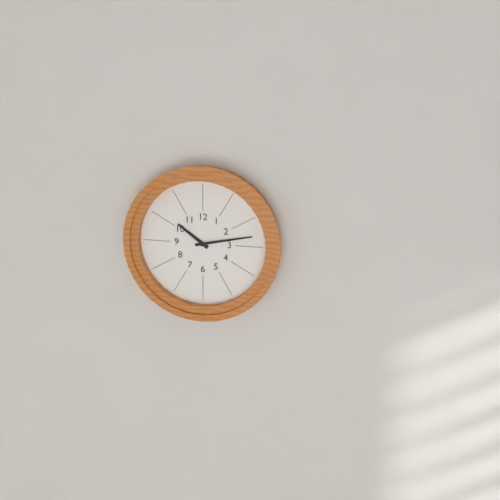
{"hour": 10, "minute": 13}
